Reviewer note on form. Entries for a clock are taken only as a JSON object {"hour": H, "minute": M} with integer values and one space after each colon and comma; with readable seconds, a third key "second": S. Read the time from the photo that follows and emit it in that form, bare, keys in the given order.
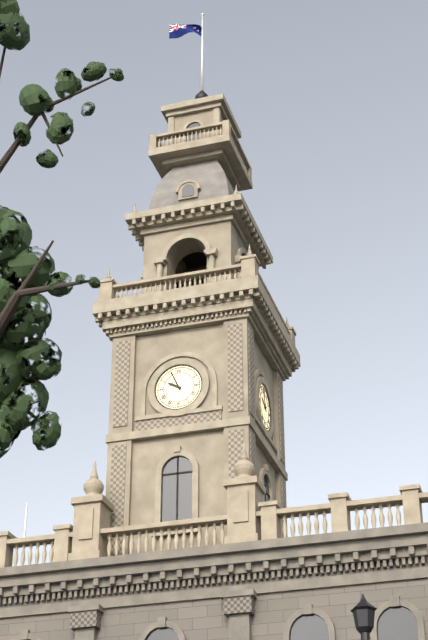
{"hour": 9, "minute": 56}
